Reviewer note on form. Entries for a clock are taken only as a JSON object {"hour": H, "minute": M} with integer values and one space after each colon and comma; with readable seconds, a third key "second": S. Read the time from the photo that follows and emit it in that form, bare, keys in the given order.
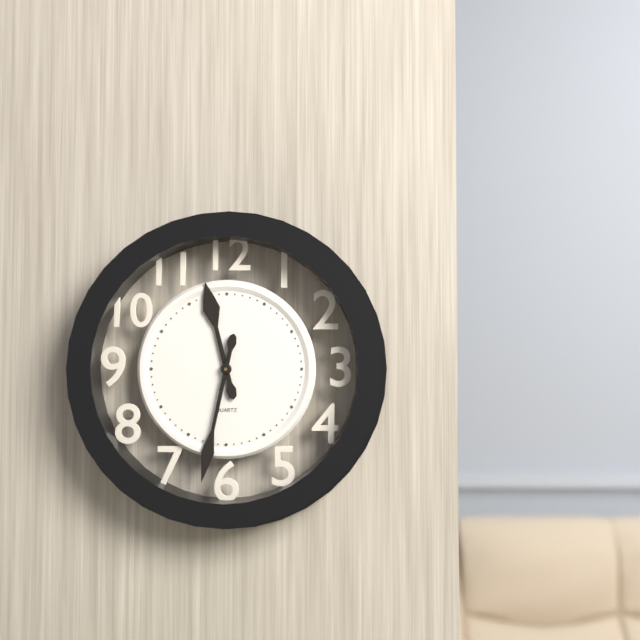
{"hour": 11, "minute": 32}
